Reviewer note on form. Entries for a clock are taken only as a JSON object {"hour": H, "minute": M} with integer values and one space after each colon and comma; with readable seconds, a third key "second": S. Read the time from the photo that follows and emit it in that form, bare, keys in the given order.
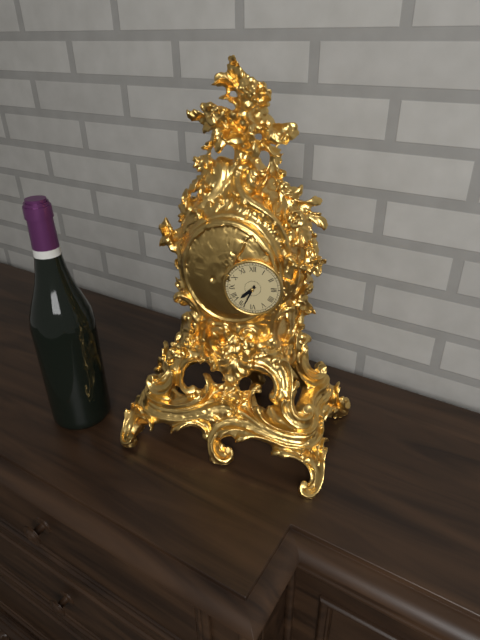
{"hour": 7, "minute": 34}
